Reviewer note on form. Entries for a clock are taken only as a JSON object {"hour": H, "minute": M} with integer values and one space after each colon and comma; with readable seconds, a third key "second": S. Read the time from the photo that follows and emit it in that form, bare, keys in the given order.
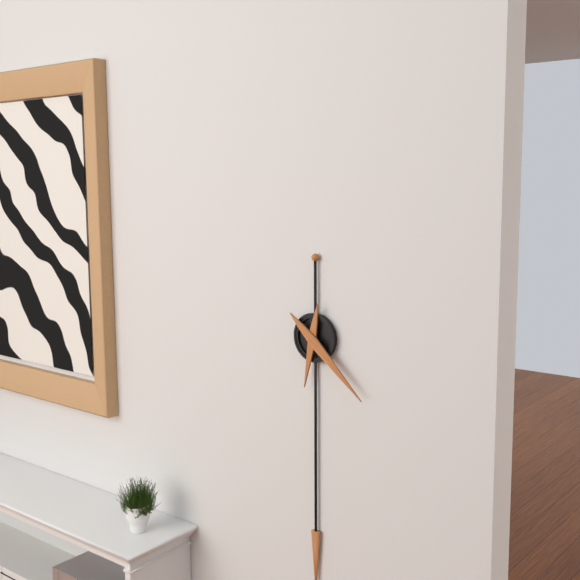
{"hour": 6, "minute": 22}
